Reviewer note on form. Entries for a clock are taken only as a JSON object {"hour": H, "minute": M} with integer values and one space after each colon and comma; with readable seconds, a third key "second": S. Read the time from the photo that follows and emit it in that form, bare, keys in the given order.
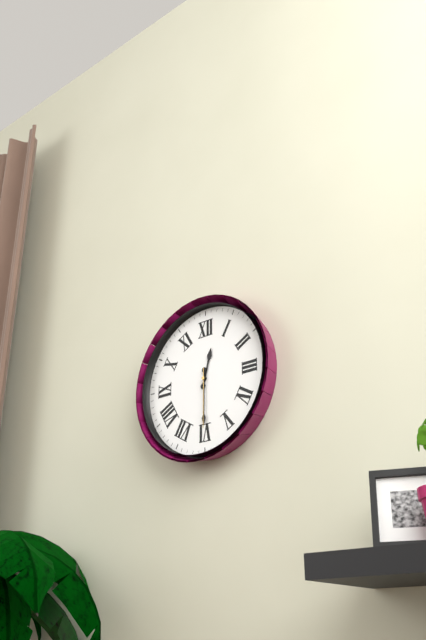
{"hour": 12, "minute": 30, "second": 30}
